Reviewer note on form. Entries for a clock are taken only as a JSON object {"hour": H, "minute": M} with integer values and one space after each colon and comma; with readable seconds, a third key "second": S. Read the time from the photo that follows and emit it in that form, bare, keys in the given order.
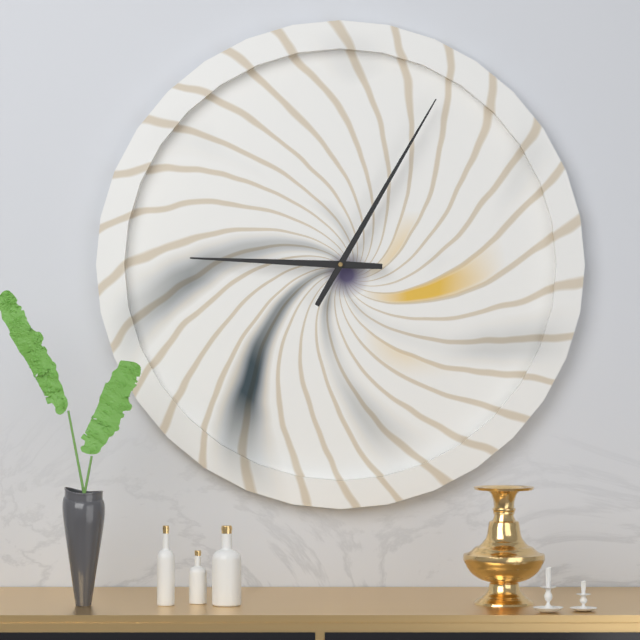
{"hour": 9, "minute": 5}
